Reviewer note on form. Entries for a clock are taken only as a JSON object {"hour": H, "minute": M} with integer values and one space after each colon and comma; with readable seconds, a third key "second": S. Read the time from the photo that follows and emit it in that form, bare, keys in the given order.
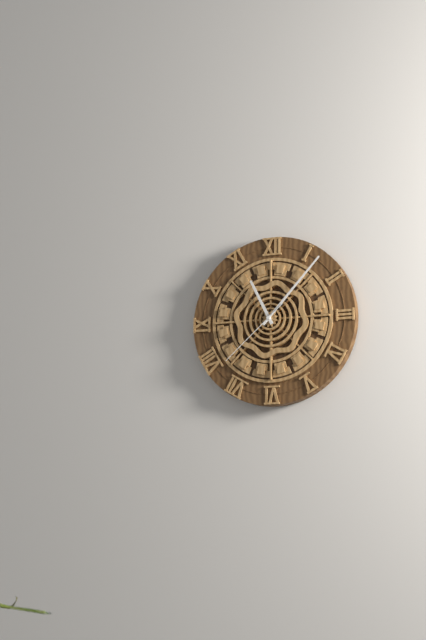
{"hour": 11, "minute": 7, "second": 38}
